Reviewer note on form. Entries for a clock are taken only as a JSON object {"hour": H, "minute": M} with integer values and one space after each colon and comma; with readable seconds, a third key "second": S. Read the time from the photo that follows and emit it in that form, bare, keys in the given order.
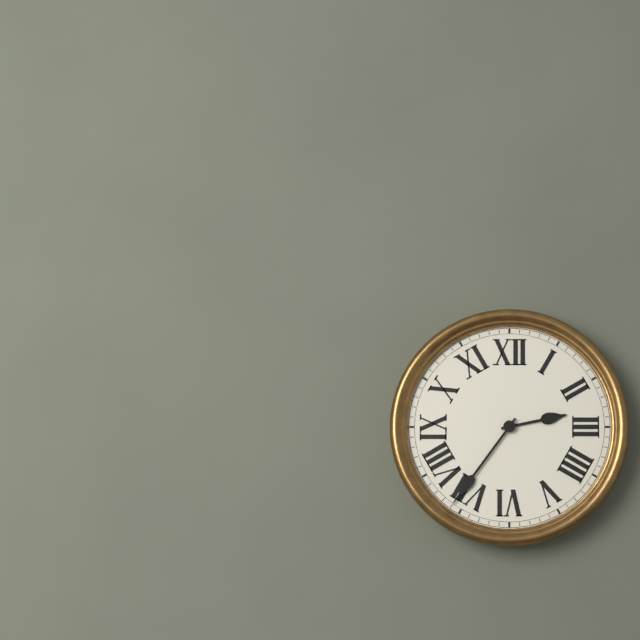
{"hour": 2, "minute": 36}
